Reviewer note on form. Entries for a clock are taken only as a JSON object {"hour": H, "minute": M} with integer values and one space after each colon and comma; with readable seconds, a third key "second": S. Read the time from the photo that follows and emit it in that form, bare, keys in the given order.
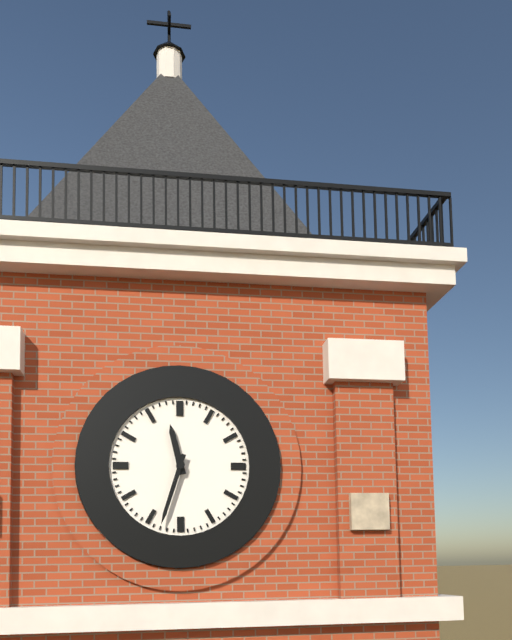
{"hour": 11, "minute": 33}
